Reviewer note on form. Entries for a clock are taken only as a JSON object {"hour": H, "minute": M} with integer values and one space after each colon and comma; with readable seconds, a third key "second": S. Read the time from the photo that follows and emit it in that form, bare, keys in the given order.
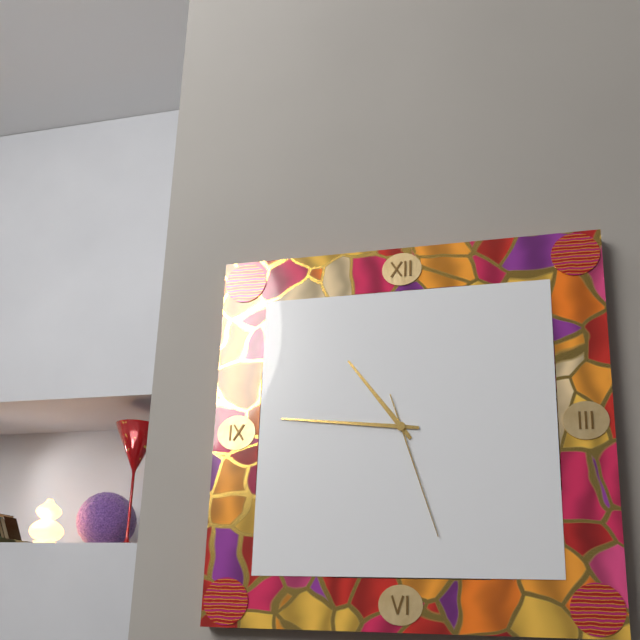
{"hour": 10, "minute": 46, "second": 27}
